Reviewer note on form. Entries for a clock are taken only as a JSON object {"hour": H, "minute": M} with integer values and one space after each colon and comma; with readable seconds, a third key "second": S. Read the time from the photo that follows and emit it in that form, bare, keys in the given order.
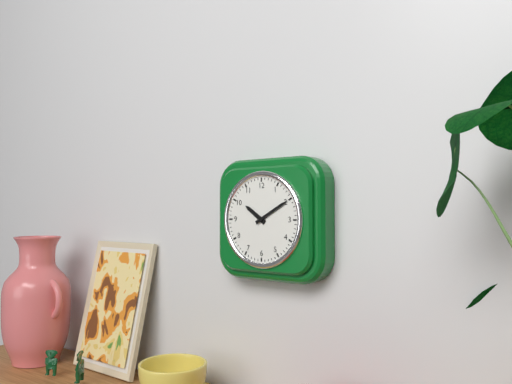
{"hour": 10, "minute": 10}
